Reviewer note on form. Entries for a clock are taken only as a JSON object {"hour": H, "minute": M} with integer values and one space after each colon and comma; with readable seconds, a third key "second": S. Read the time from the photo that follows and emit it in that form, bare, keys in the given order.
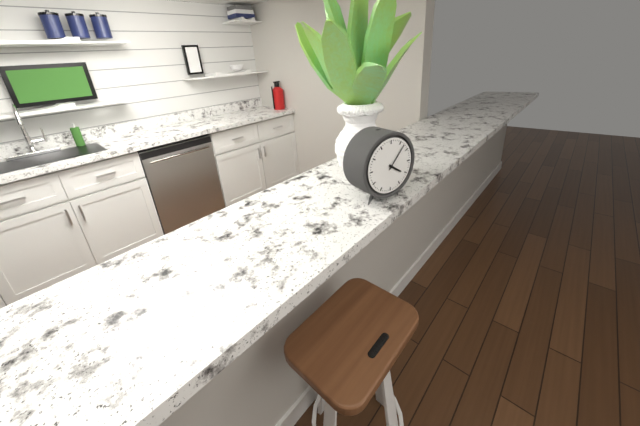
{"hour": 4, "minute": 7}
